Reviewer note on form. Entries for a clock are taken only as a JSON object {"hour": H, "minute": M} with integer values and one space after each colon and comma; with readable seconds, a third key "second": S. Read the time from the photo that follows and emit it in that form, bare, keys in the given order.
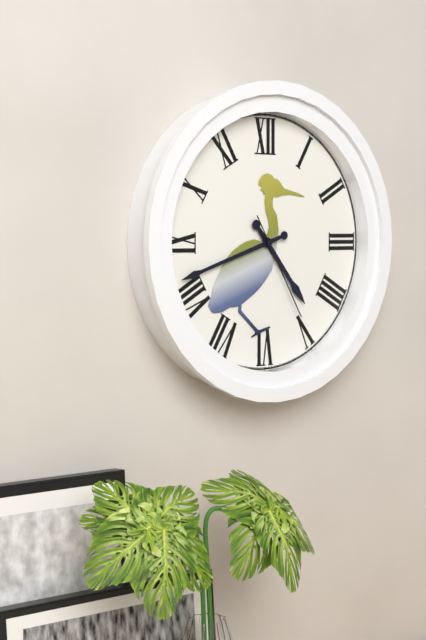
{"hour": 4, "minute": 42, "second": 25}
